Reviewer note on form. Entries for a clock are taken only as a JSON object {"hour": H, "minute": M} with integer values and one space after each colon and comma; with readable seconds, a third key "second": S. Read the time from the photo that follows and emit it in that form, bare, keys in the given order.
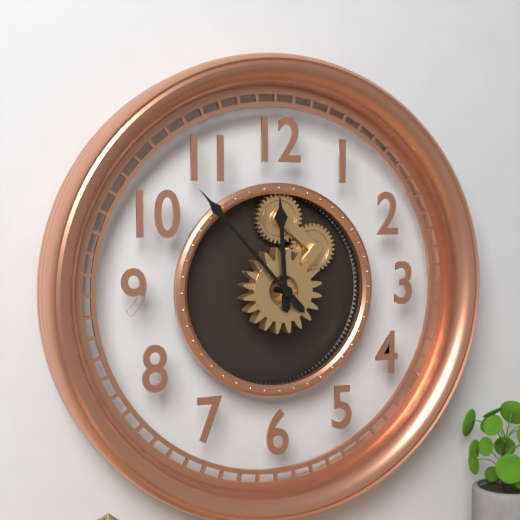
{"hour": 11, "minute": 53}
